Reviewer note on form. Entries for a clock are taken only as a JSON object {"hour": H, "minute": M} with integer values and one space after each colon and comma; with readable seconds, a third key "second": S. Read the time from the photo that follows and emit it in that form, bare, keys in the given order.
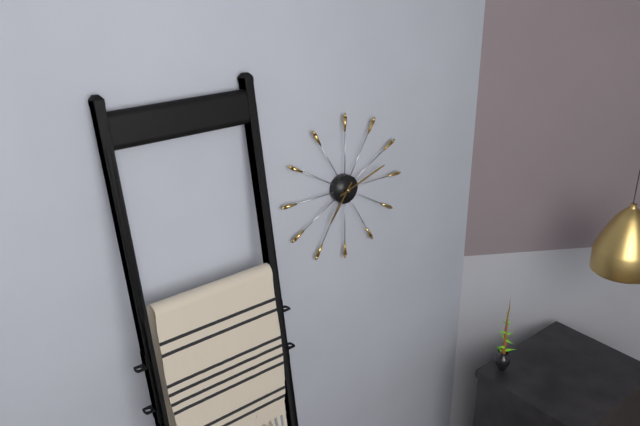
{"hour": 7, "minute": 12}
